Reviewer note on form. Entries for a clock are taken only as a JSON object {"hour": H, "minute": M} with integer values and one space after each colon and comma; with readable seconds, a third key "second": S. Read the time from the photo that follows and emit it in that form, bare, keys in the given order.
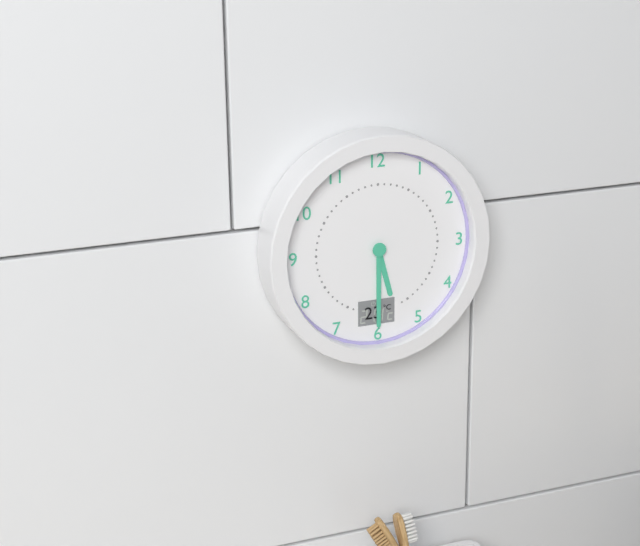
{"hour": 5, "minute": 30}
